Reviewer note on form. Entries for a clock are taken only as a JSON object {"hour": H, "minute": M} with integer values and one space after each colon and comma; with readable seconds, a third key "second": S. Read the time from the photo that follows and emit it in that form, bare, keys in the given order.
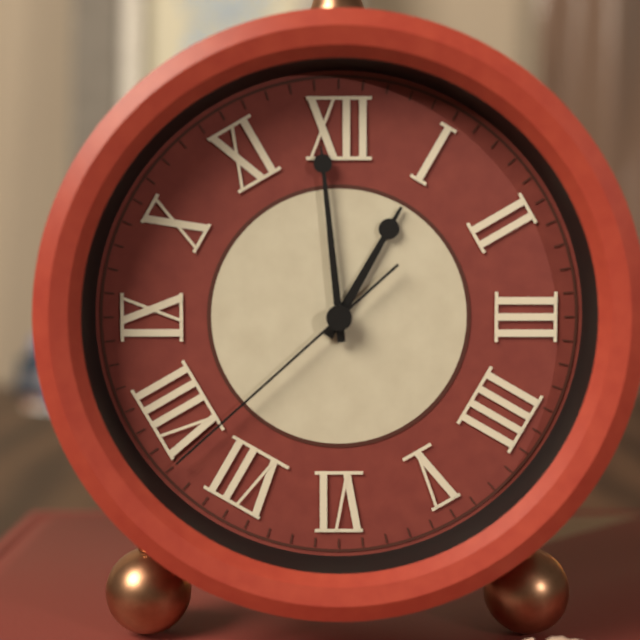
{"hour": 12, "minute": 59, "second": 38}
